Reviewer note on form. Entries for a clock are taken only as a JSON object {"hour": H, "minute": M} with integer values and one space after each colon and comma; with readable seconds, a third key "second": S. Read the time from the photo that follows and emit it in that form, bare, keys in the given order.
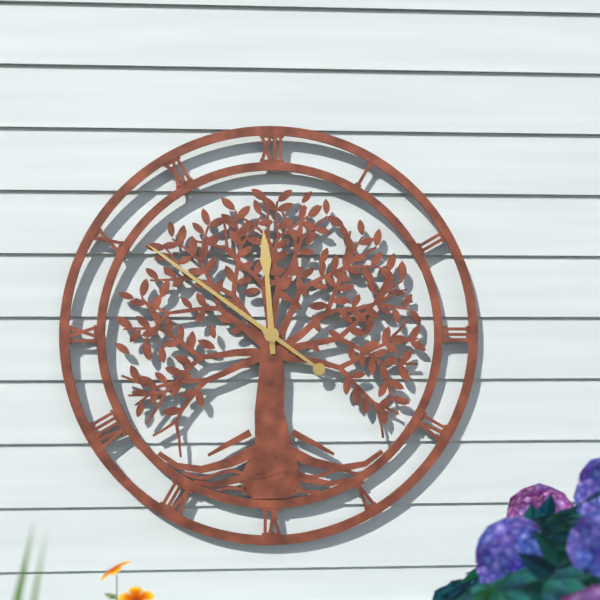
{"hour": 11, "minute": 51}
